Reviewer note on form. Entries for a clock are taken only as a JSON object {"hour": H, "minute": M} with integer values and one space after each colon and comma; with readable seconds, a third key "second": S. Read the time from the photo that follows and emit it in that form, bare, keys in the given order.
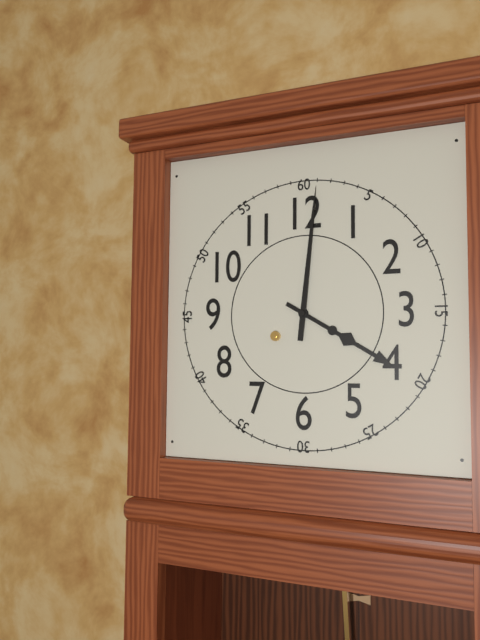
{"hour": 4, "minute": 1}
